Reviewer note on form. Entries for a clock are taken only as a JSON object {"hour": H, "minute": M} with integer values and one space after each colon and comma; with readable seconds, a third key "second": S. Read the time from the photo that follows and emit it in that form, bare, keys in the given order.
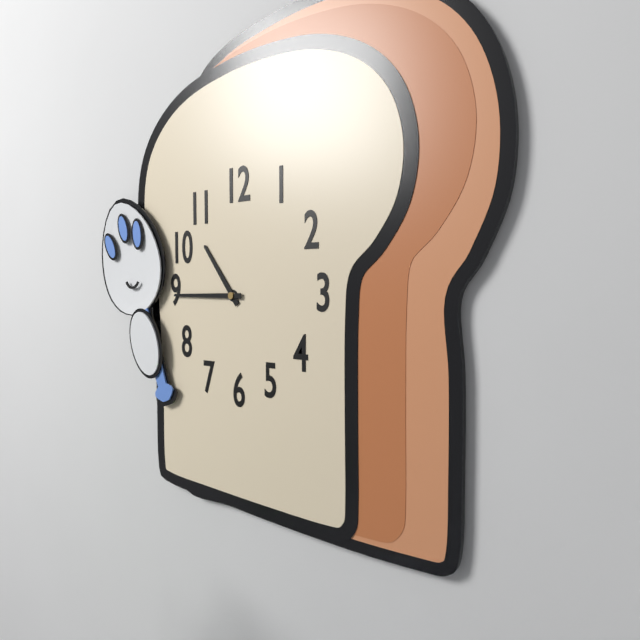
{"hour": 10, "minute": 45}
